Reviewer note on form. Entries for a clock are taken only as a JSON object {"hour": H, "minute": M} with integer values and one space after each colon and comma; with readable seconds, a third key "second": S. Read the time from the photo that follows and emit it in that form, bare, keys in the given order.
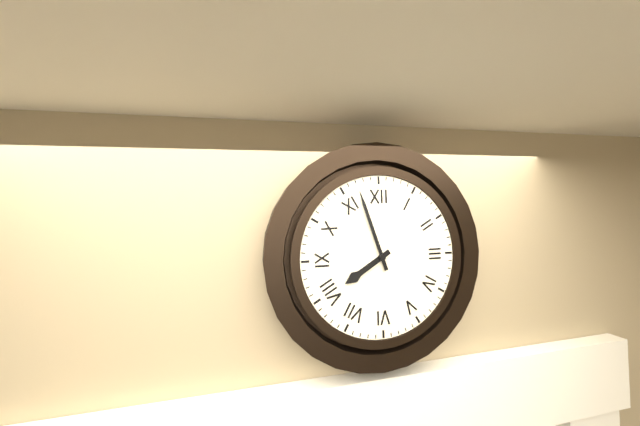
{"hour": 7, "minute": 57}
